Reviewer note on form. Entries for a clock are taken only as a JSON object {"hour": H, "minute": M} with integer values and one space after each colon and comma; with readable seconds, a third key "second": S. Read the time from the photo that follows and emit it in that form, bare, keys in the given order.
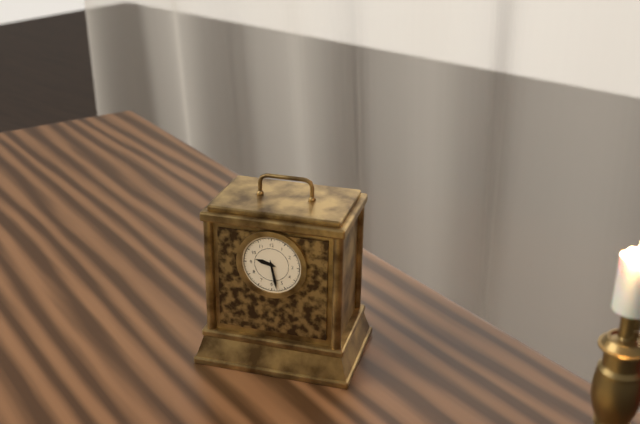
{"hour": 9, "minute": 28}
